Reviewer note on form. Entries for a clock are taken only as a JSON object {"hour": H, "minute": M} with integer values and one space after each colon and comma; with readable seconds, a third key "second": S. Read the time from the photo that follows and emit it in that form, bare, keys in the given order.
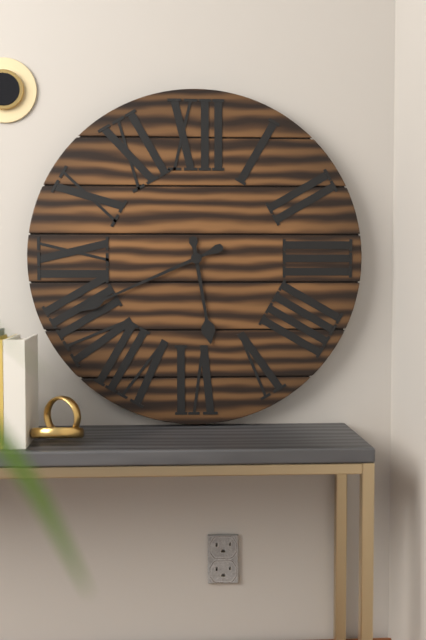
{"hour": 5, "minute": 41}
